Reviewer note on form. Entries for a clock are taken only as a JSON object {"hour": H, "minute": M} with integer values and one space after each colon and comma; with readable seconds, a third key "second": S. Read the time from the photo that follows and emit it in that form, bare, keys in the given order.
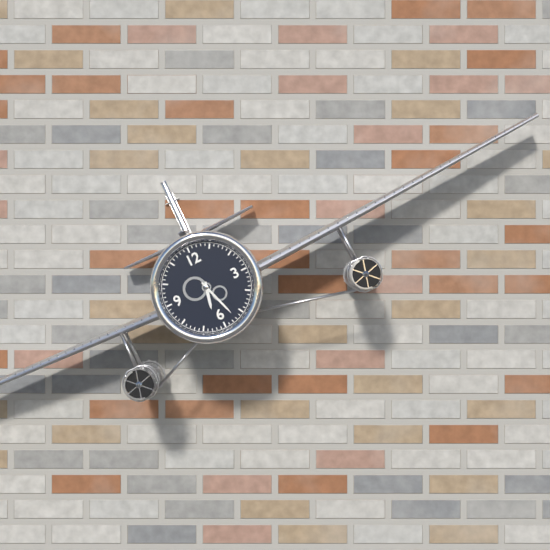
{"hour": 6, "minute": 27}
